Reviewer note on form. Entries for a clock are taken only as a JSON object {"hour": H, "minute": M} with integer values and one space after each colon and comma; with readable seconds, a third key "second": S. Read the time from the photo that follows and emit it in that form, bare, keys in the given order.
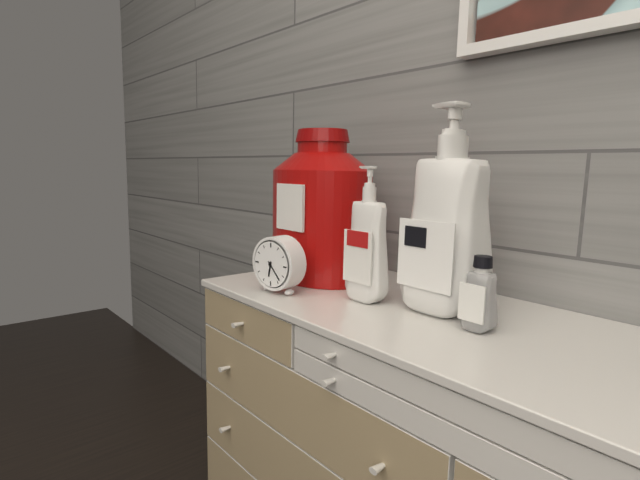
{"hour": 6, "minute": 23}
